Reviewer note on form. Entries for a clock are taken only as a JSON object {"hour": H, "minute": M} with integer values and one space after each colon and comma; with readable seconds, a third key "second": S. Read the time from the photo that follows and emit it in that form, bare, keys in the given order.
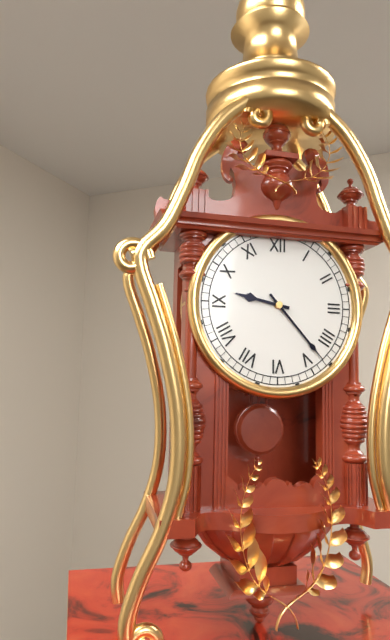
{"hour": 9, "minute": 23}
